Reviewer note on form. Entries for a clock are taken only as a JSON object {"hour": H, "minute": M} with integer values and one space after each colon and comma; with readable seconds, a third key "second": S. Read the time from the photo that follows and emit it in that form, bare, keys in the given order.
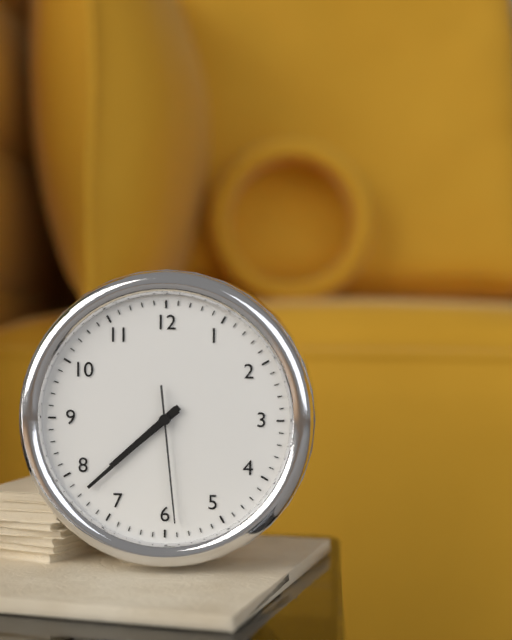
{"hour": 7, "minute": 38, "second": 29}
